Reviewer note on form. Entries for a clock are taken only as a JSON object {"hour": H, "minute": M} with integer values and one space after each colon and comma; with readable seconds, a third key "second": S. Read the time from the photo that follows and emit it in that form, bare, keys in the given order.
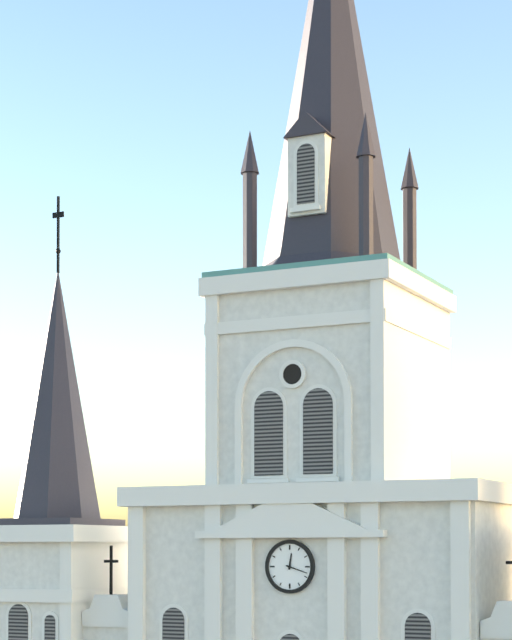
{"hour": 12, "minute": 18}
